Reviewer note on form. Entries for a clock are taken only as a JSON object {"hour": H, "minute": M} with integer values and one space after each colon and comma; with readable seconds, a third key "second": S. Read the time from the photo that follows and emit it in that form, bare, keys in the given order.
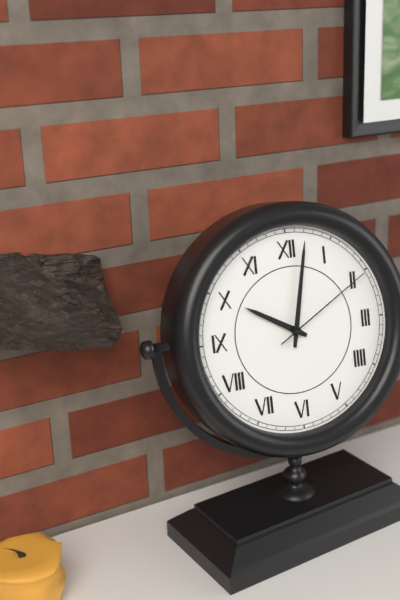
{"hour": 10, "minute": 2, "second": 10}
